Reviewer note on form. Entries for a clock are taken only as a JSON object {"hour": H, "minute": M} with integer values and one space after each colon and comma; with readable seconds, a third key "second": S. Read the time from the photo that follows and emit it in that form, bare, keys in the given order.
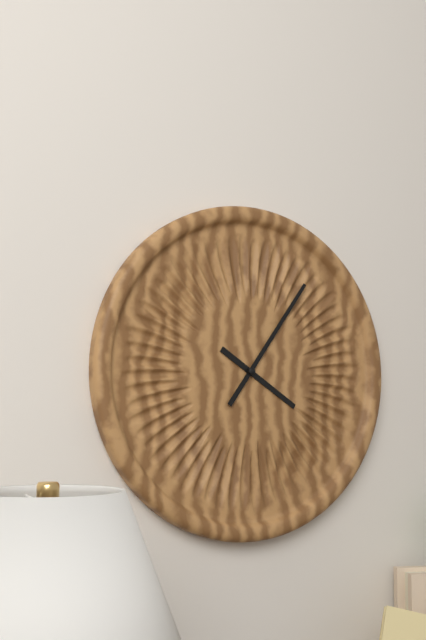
{"hour": 4, "minute": 6}
